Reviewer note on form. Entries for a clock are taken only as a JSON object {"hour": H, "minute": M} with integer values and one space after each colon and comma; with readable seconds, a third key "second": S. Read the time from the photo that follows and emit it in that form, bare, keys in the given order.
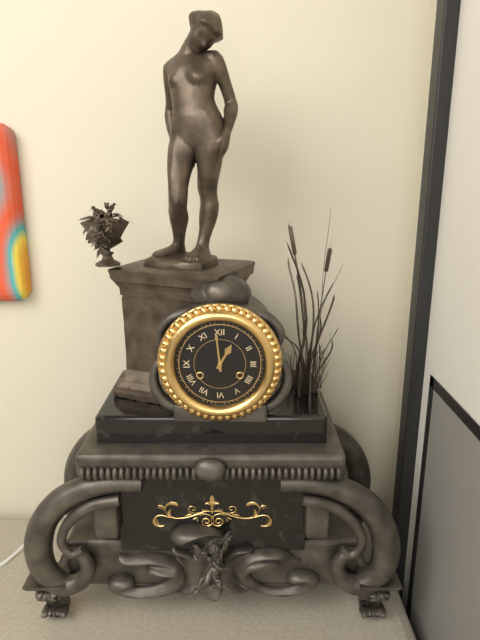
{"hour": 12, "minute": 59}
